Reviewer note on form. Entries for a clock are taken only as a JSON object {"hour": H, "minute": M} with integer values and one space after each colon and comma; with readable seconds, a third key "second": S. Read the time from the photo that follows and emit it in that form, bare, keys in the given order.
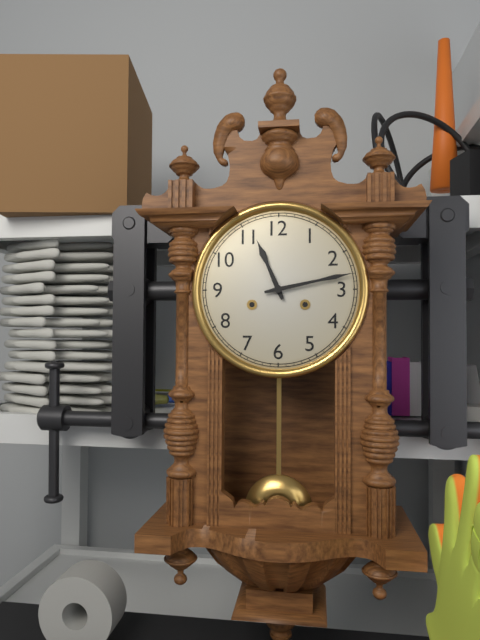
{"hour": 11, "minute": 13}
